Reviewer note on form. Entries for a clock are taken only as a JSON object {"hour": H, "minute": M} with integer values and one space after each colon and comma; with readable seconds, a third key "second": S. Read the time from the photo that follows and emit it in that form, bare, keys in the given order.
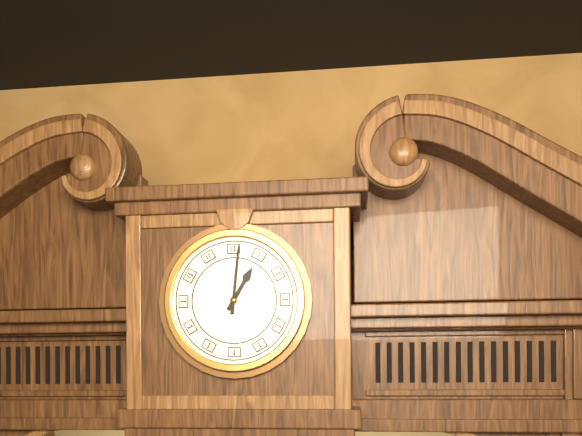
{"hour": 1, "minute": 1}
